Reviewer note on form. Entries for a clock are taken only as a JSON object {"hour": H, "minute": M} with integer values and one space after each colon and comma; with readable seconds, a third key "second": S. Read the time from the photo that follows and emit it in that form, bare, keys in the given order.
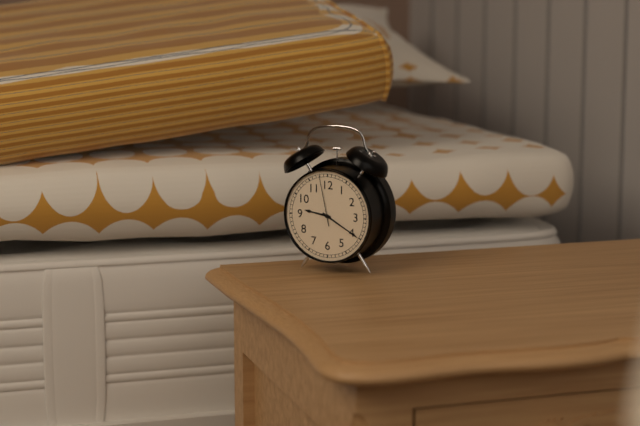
{"hour": 9, "minute": 20, "second": 58}
